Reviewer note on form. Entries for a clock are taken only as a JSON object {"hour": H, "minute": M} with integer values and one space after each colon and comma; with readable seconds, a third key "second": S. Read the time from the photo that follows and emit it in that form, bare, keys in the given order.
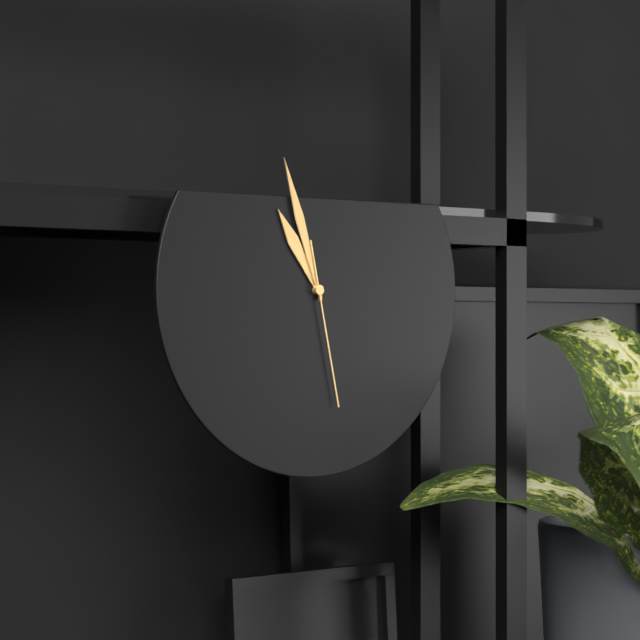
{"hour": 10, "minute": 57, "second": 28}
